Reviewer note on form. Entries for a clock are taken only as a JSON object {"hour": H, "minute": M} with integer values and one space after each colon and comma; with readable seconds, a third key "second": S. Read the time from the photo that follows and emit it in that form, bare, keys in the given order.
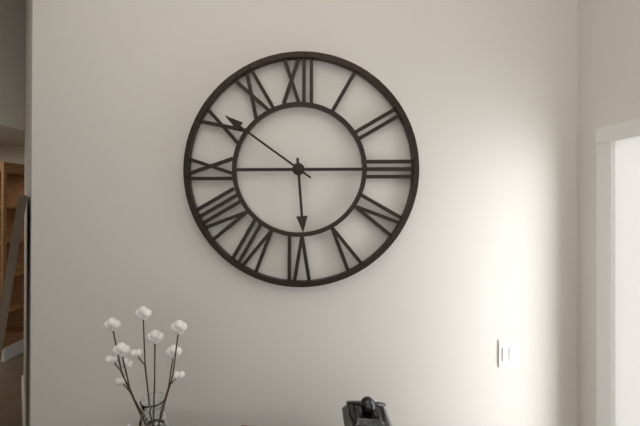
{"hour": 5, "minute": 51}
